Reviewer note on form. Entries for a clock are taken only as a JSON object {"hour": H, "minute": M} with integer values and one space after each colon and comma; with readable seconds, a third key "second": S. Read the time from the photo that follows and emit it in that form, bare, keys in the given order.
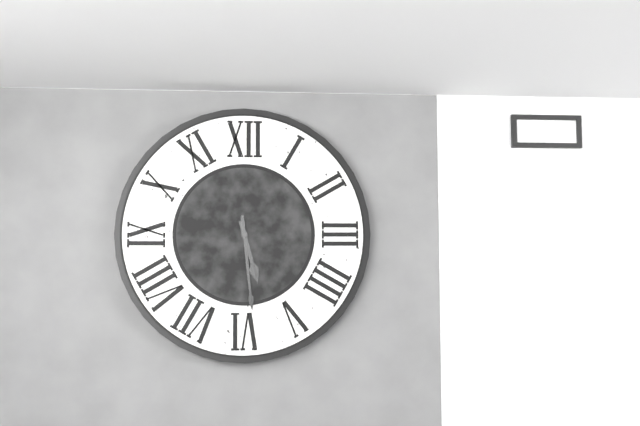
{"hour": 5, "minute": 29}
